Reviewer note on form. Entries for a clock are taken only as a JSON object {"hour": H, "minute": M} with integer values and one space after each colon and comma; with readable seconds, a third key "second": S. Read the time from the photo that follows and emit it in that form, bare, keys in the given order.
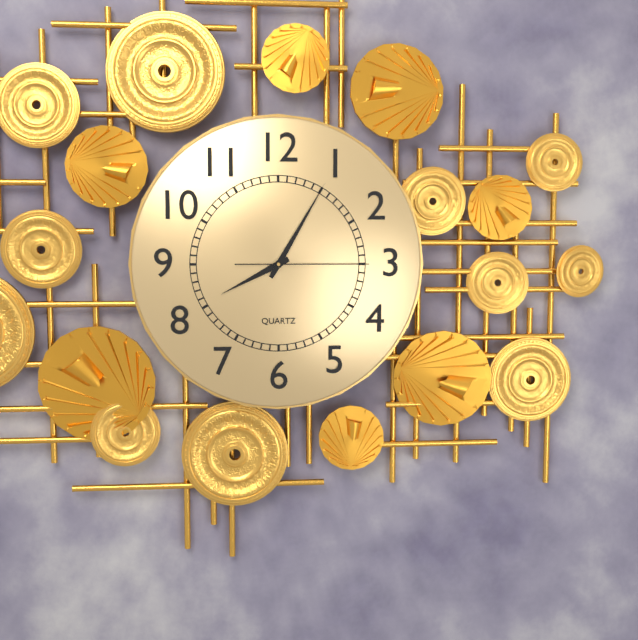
{"hour": 8, "minute": 5, "second": 15}
